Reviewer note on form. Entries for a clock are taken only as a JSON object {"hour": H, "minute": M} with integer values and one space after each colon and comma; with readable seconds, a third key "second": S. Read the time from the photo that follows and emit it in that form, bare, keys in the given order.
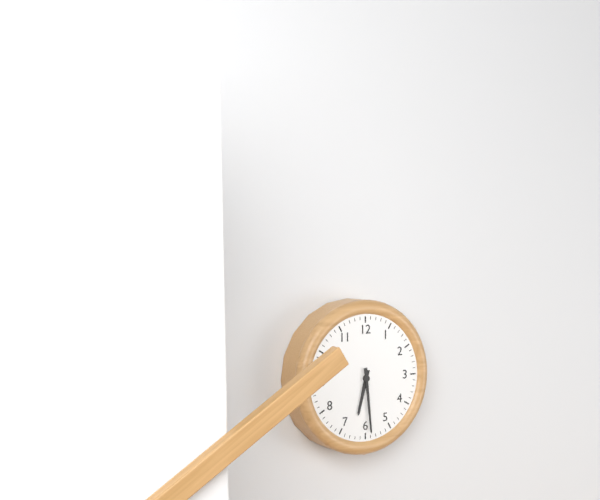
{"hour": 6, "minute": 29}
